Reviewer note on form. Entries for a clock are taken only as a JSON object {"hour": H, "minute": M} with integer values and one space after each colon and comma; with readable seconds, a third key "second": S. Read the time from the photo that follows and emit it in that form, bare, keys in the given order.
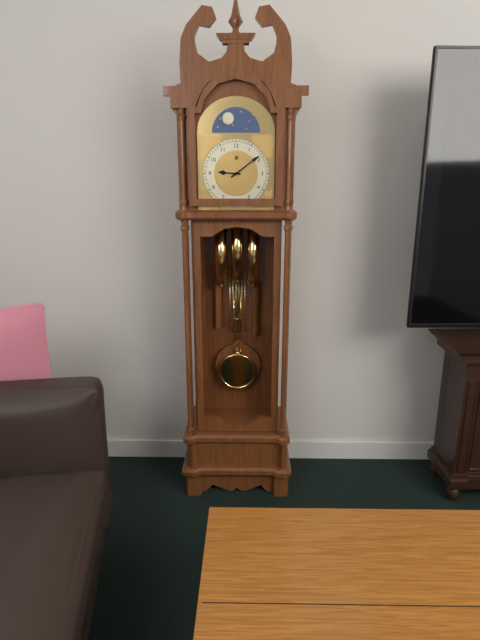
{"hour": 9, "minute": 9}
